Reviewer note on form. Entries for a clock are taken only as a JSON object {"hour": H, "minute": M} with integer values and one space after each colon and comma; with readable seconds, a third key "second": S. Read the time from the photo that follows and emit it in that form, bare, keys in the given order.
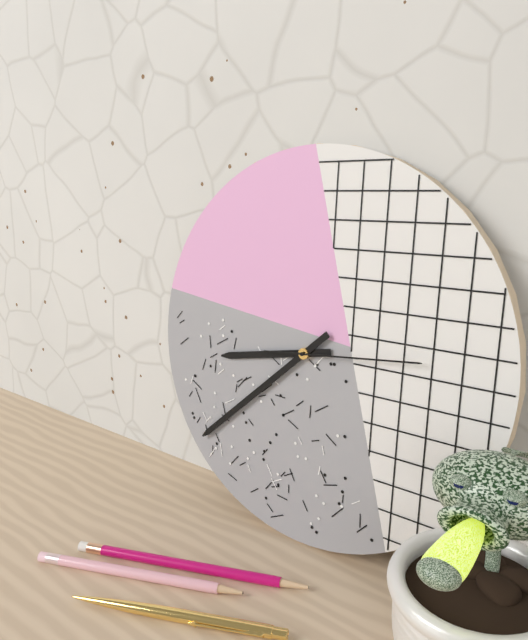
{"hour": 8, "minute": 38, "second": 14}
